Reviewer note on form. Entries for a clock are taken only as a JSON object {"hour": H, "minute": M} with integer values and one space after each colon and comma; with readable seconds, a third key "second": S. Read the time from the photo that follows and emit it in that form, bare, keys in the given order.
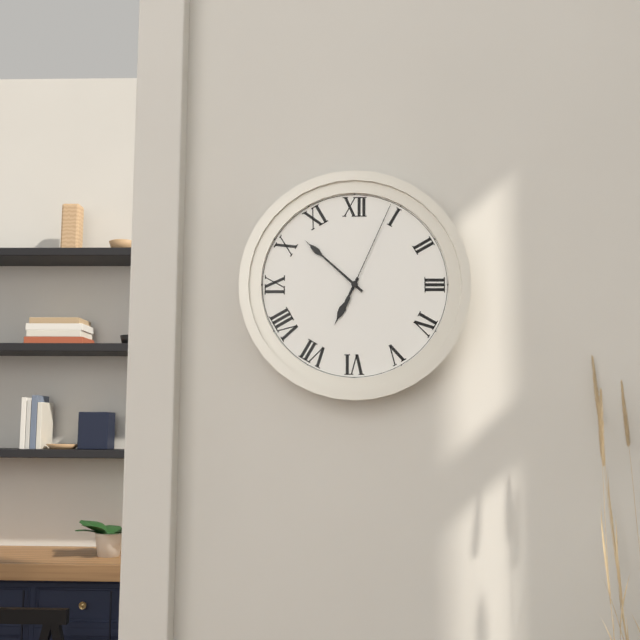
{"hour": 6, "minute": 52, "second": 4}
